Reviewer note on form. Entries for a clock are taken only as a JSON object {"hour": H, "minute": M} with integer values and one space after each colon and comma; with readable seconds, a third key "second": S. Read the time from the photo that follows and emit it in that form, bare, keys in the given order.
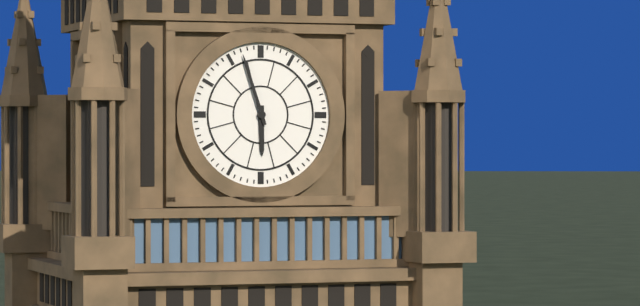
{"hour": 5, "minute": 57}
